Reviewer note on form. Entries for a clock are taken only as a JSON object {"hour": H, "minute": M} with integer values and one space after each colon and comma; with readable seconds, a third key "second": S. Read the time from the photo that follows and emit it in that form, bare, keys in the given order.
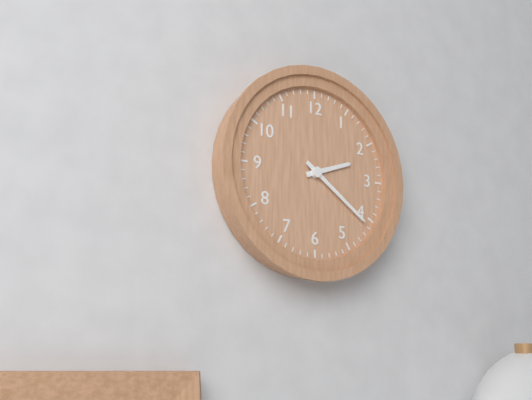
{"hour": 2, "minute": 21}
